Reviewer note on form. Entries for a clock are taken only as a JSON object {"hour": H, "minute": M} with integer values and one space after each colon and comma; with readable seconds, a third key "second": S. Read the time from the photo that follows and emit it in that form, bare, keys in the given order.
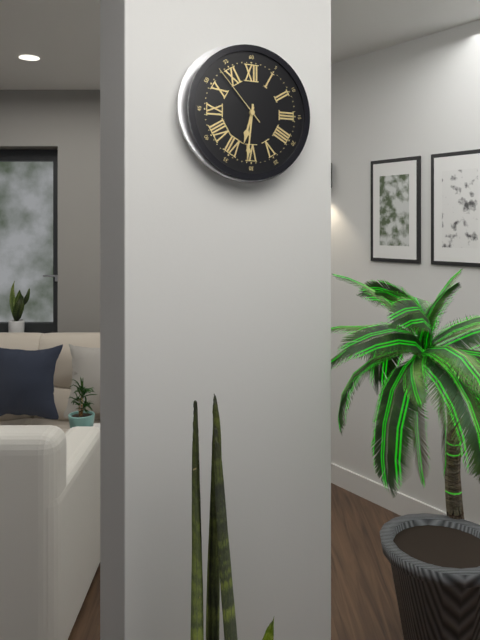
{"hour": 6, "minute": 31, "second": 53}
